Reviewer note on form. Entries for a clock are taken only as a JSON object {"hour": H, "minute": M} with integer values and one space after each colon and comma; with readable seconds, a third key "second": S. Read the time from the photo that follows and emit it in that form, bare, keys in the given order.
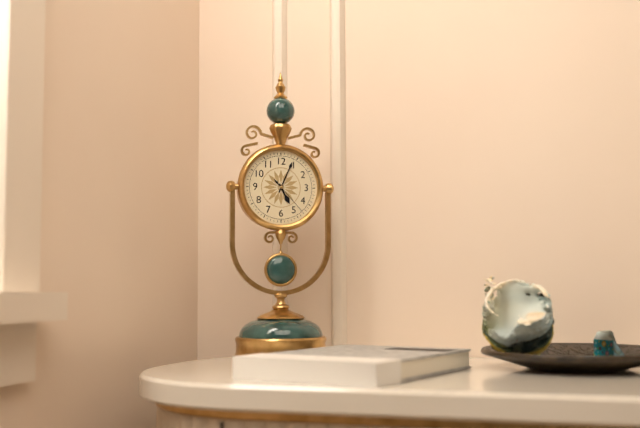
{"hour": 5, "minute": 4}
